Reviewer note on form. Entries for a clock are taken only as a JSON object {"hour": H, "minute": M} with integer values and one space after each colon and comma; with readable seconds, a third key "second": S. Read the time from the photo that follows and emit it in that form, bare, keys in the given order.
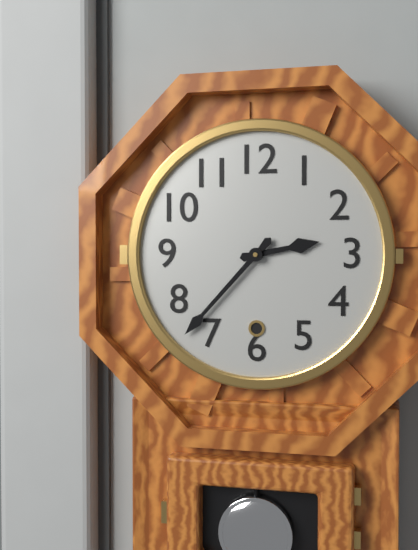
{"hour": 2, "minute": 37}
